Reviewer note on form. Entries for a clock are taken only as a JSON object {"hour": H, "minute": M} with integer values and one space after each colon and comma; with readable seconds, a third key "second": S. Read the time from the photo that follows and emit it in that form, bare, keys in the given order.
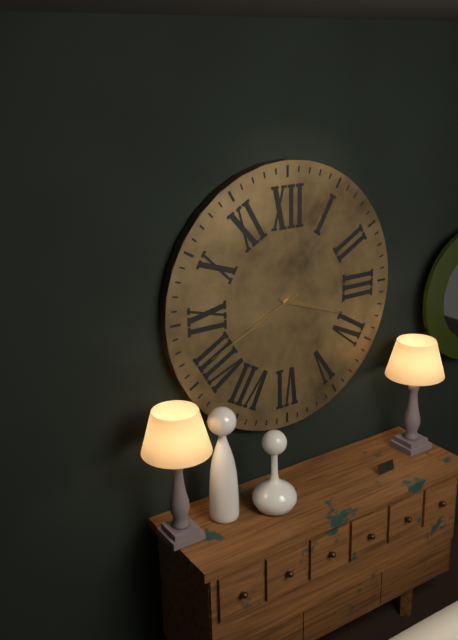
{"hour": 3, "minute": 41}
